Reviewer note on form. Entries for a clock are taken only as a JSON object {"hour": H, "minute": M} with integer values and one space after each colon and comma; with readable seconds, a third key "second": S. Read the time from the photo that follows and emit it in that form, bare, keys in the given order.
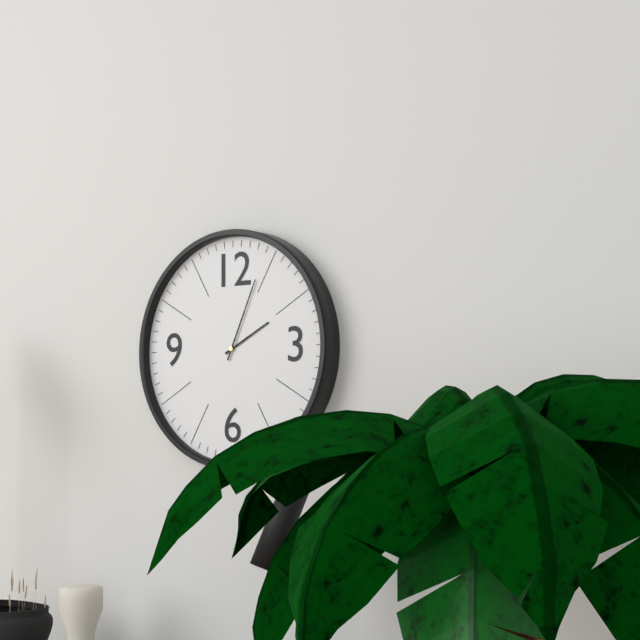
{"hour": 2, "minute": 4}
